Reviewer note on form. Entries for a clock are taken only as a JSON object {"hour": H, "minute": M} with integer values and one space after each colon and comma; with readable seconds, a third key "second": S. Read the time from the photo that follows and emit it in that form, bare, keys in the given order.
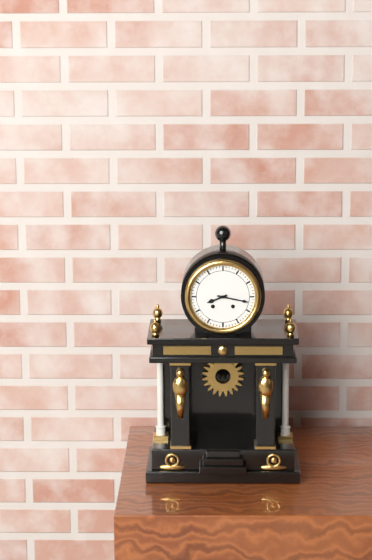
{"hour": 8, "minute": 17}
